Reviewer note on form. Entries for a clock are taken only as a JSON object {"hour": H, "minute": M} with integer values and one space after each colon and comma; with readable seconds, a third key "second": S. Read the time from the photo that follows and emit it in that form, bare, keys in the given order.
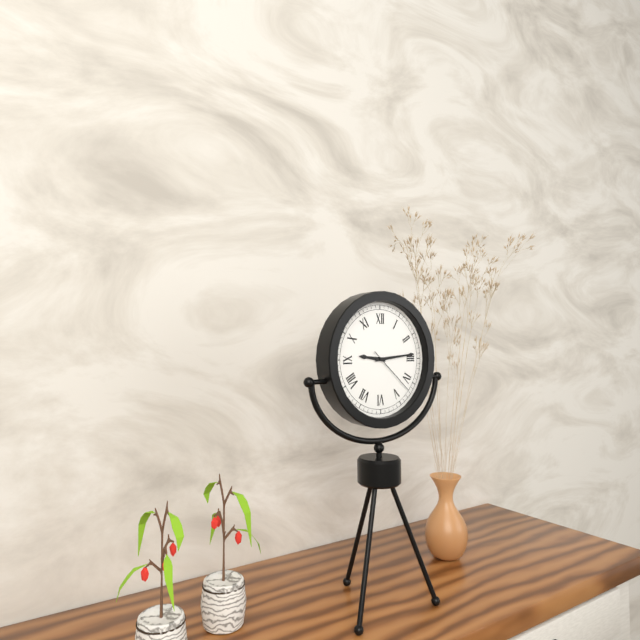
{"hour": 9, "minute": 14, "second": 22}
